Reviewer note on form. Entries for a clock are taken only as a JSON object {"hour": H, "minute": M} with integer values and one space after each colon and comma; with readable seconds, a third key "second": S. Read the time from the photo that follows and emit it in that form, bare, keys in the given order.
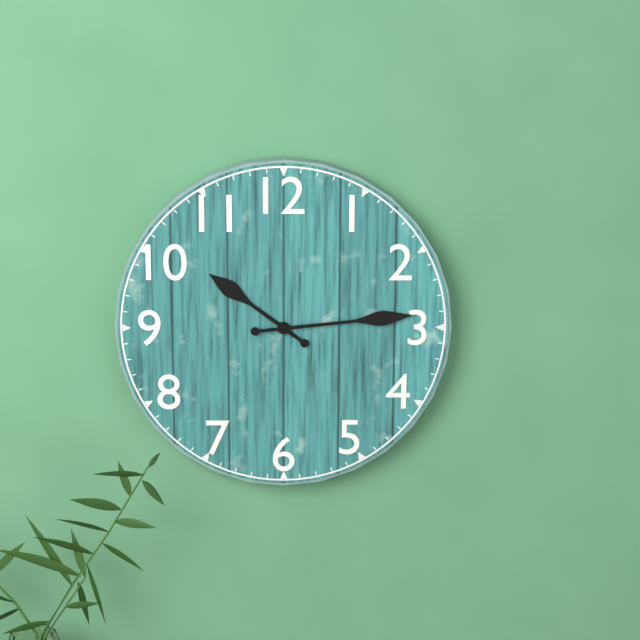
{"hour": 10, "minute": 14}
